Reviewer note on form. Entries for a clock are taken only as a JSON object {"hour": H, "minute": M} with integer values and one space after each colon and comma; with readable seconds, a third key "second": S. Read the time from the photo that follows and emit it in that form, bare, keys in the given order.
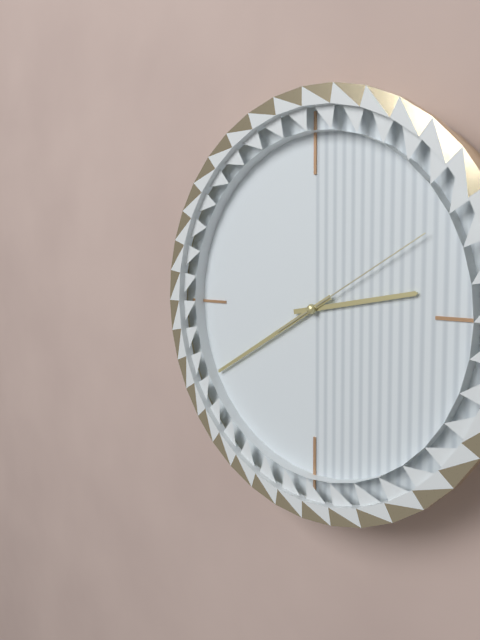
{"hour": 2, "minute": 40, "second": 10}
